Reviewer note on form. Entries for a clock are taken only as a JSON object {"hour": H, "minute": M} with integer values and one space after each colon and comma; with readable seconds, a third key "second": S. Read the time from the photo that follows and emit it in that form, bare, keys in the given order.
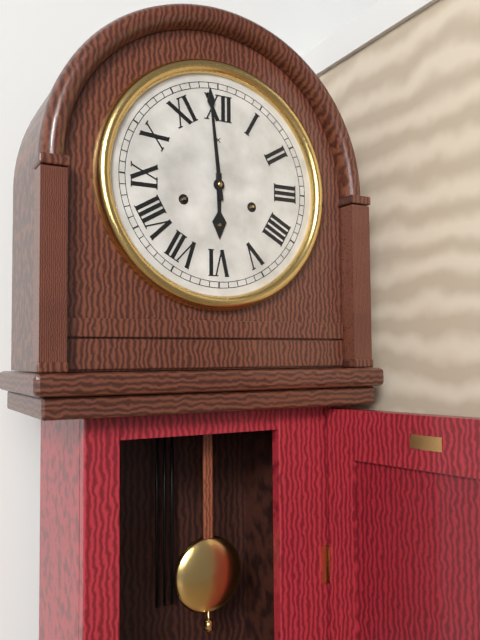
{"hour": 5, "minute": 59}
